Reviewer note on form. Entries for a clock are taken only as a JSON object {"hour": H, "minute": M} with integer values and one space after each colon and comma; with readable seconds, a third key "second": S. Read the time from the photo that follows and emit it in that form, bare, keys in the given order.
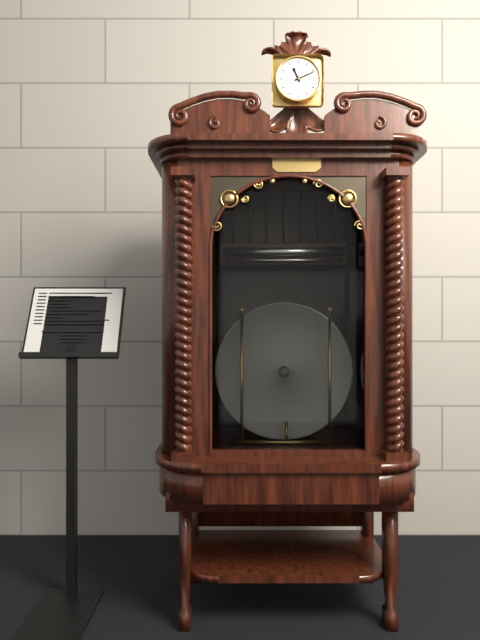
{"hour": 11, "minute": 11}
